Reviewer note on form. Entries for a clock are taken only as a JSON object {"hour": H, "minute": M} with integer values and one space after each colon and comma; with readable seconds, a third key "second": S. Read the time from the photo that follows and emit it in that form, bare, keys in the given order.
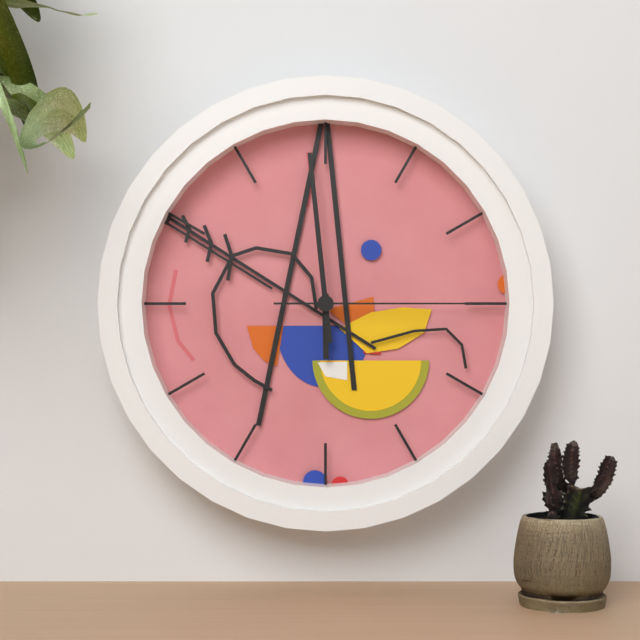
{"hour": 5, "minute": 59, "second": 15}
